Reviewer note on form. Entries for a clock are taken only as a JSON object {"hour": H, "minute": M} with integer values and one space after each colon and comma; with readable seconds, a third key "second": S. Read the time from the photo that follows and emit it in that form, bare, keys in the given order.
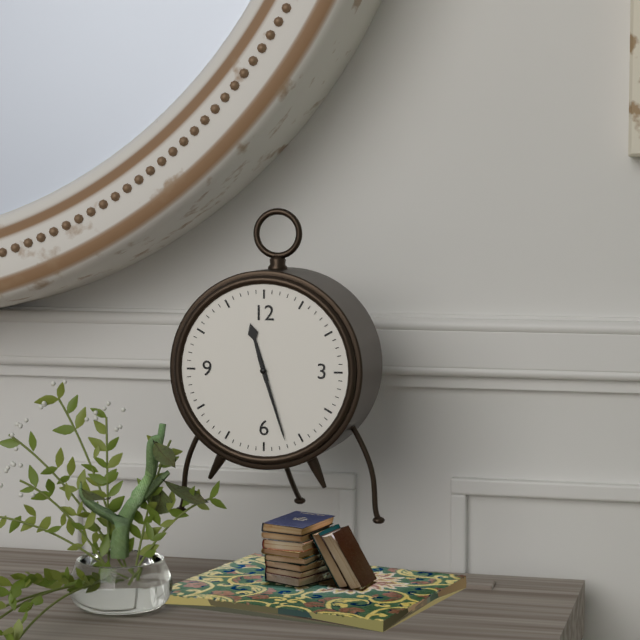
{"hour": 11, "minute": 27}
